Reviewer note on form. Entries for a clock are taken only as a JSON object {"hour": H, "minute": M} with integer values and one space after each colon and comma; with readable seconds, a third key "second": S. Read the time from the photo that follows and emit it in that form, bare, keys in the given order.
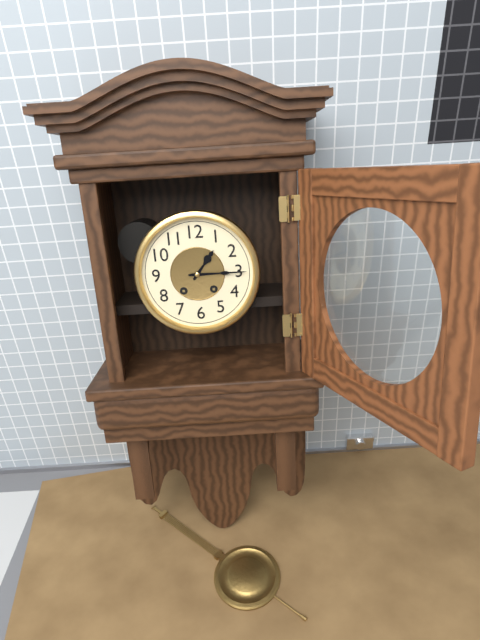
{"hour": 1, "minute": 15}
